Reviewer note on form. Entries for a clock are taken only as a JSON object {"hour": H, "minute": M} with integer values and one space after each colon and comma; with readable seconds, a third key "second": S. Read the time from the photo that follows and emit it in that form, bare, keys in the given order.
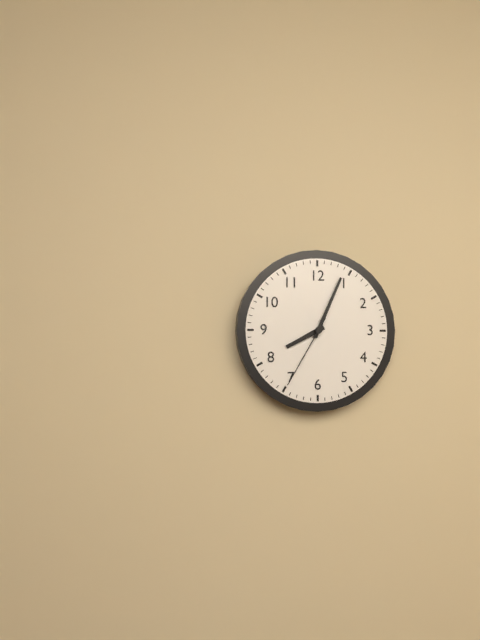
{"hour": 8, "minute": 4, "second": 35}
